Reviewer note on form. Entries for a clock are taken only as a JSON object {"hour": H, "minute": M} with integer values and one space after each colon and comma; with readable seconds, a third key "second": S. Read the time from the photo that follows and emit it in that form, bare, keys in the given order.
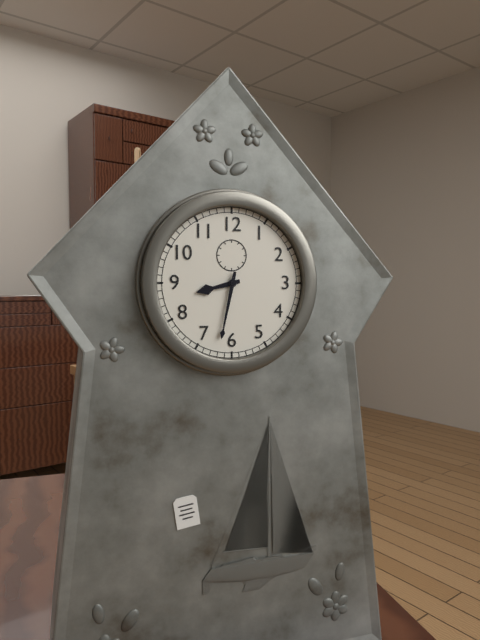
{"hour": 8, "minute": 32}
